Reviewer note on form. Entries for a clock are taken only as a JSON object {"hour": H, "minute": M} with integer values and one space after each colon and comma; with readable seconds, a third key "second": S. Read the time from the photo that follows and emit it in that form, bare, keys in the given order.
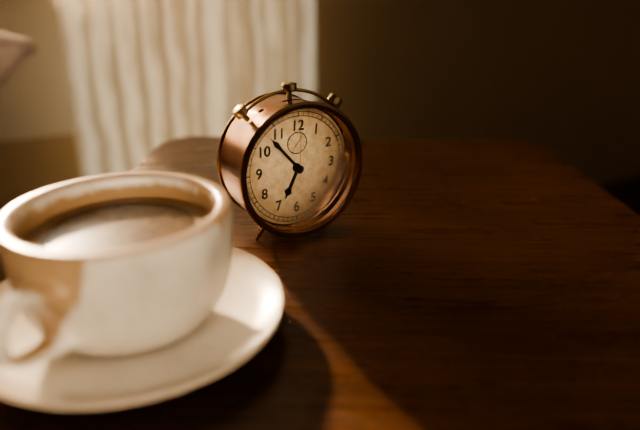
{"hour": 6, "minute": 53, "second": 0}
